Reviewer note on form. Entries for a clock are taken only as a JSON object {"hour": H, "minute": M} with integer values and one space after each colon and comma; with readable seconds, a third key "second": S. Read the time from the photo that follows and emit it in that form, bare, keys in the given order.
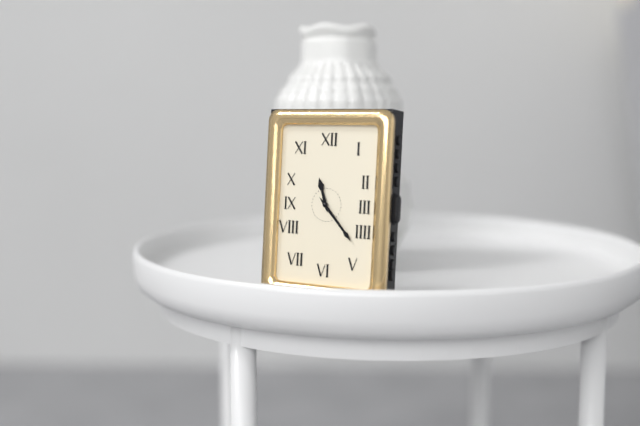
{"hour": 11, "minute": 23}
